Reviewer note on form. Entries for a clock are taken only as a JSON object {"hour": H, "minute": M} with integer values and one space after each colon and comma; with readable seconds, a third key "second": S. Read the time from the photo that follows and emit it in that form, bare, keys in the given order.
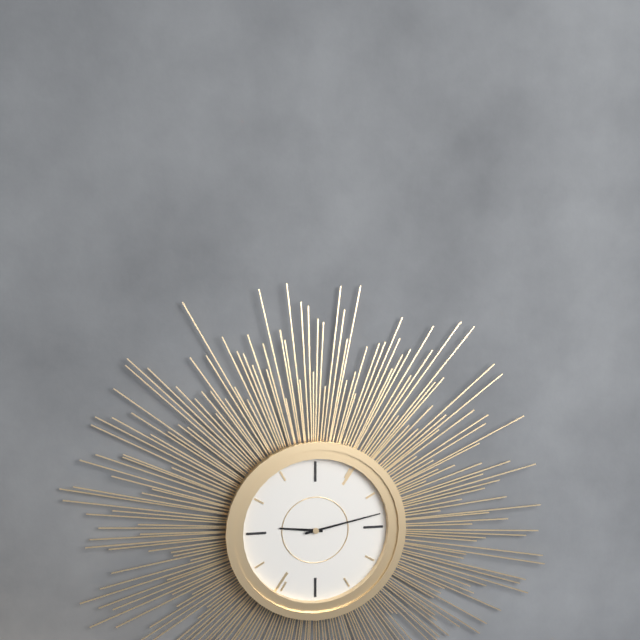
{"hour": 9, "minute": 13}
